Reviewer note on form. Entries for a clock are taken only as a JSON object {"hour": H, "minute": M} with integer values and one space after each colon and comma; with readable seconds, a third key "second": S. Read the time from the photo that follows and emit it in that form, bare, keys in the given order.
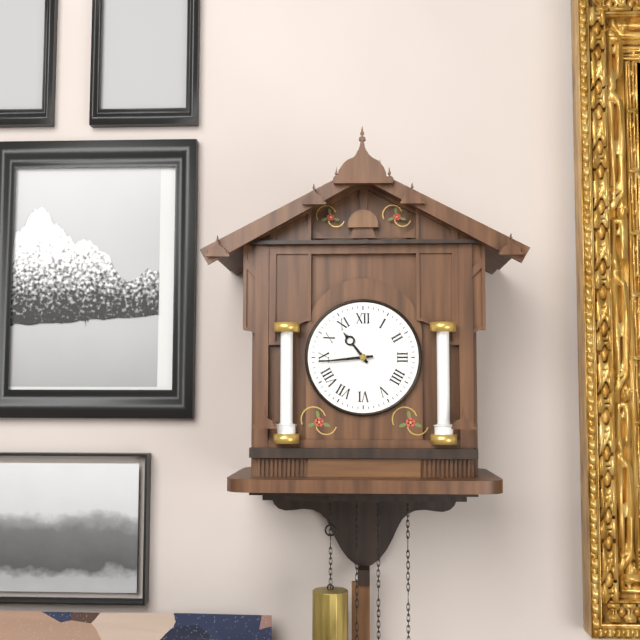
{"hour": 10, "minute": 44}
